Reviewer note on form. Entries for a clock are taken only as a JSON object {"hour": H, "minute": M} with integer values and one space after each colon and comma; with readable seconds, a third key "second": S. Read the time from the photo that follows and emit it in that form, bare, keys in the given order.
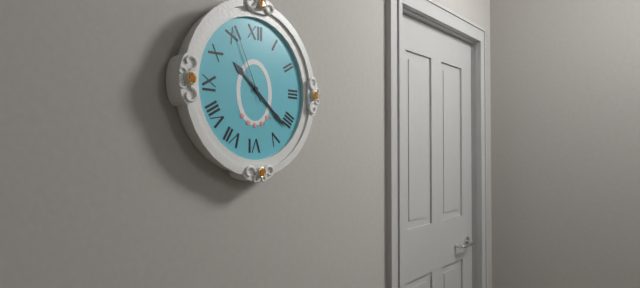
{"hour": 10, "minute": 22, "second": 56}
